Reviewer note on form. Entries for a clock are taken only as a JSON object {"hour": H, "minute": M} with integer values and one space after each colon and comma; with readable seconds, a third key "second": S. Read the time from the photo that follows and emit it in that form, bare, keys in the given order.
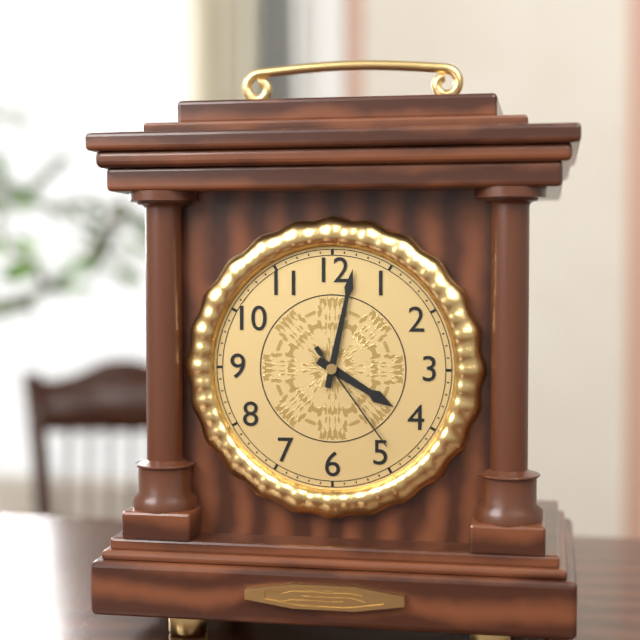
{"hour": 4, "minute": 2, "second": 24}
